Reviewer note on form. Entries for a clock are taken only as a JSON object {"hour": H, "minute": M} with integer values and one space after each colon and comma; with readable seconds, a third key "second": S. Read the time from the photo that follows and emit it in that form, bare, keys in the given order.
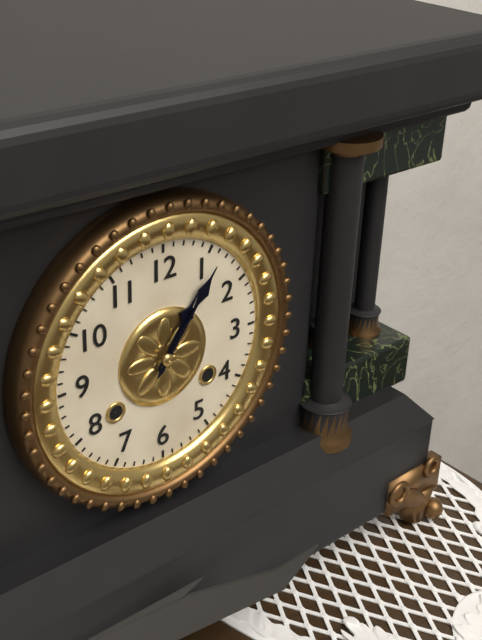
{"hour": 1, "minute": 6}
